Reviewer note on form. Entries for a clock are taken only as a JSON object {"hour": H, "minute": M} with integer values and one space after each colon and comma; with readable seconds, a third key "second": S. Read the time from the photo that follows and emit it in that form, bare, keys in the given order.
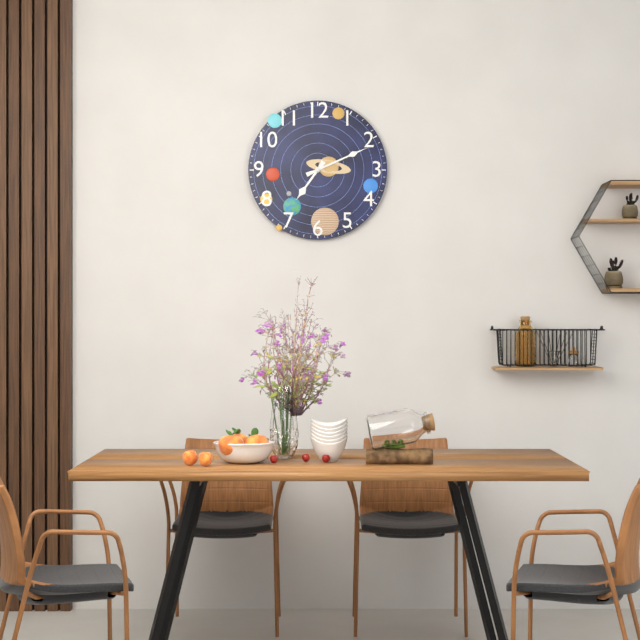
{"hour": 7, "minute": 11}
